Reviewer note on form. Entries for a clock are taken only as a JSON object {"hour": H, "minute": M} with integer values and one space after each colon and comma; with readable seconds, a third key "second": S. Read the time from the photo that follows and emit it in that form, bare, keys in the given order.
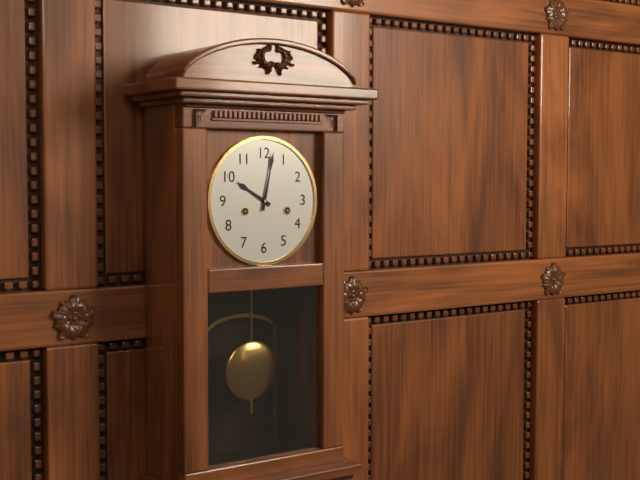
{"hour": 10, "minute": 2}
